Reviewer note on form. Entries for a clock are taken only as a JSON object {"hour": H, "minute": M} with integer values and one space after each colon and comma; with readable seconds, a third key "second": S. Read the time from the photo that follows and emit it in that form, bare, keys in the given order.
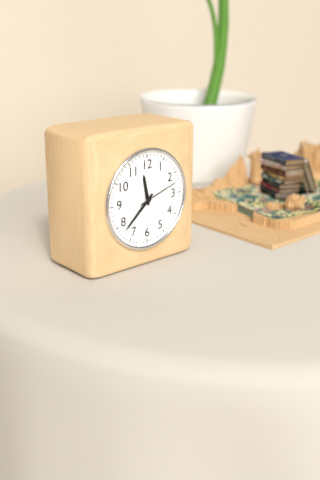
{"hour": 11, "minute": 38}
